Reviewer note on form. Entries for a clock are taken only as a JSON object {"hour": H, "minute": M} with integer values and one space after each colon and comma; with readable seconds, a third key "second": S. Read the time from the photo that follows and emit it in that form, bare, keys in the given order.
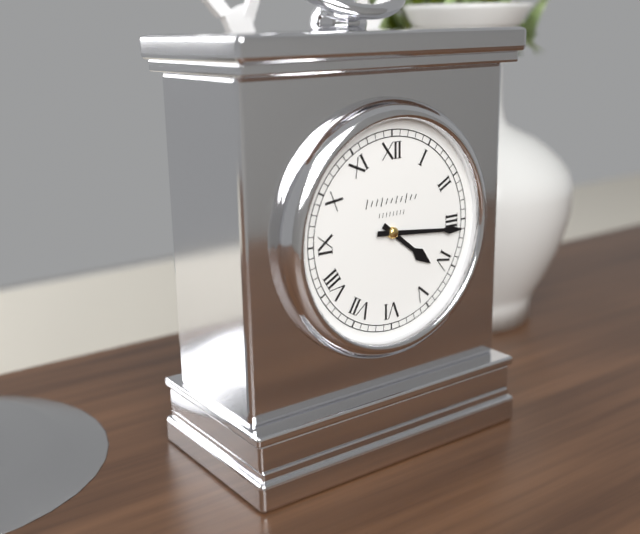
{"hour": 4, "minute": 16}
